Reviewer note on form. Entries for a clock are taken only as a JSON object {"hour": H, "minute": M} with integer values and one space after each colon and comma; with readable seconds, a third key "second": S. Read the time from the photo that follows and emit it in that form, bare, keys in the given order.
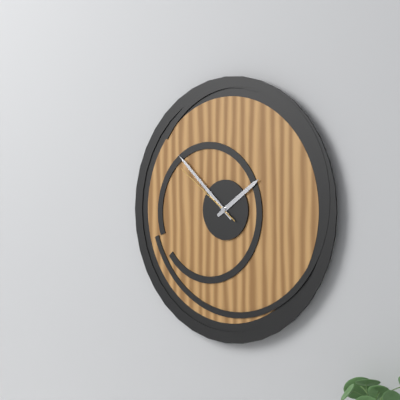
{"hour": 1, "minute": 52, "second": 51}
